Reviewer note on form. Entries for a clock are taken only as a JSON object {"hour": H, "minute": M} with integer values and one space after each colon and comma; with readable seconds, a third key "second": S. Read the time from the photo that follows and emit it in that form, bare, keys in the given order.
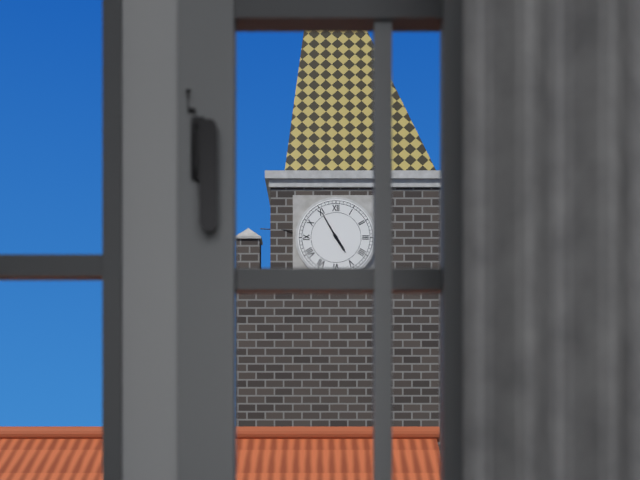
{"hour": 4, "minute": 55}
